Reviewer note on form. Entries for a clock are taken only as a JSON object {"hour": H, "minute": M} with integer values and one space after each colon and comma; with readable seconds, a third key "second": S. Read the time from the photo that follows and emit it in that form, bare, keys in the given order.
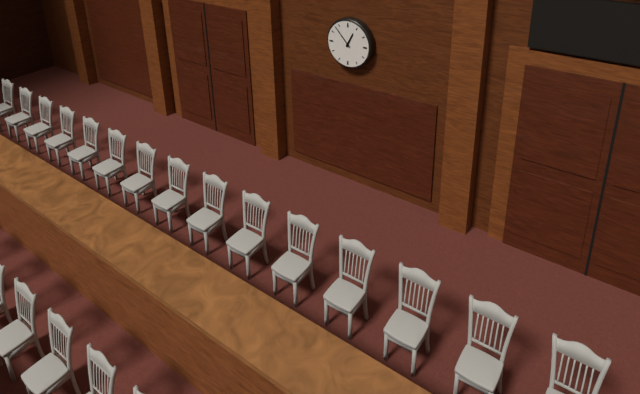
{"hour": 12, "minute": 53}
